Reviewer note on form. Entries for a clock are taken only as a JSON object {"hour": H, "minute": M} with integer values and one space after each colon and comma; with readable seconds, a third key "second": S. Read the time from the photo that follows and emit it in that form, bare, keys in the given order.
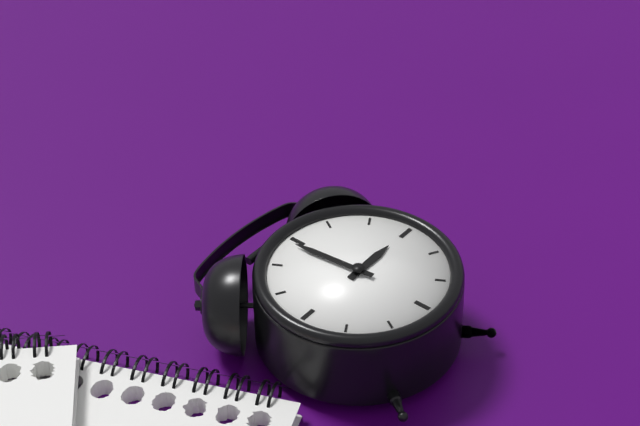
{"hour": 2, "minute": 59}
